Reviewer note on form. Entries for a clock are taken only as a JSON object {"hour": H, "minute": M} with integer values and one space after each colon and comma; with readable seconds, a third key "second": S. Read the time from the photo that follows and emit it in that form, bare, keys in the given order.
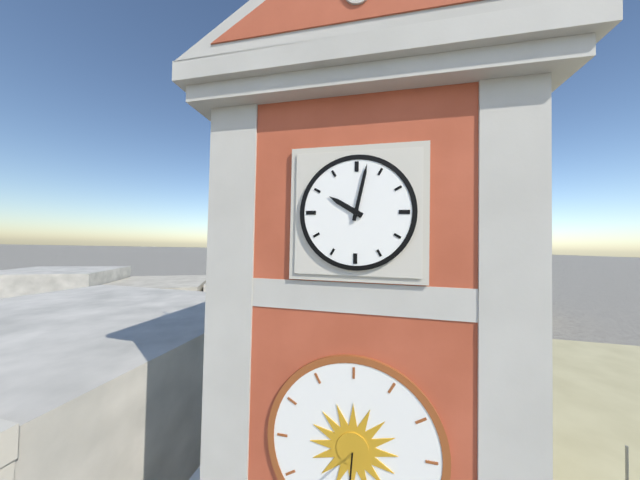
{"hour": 10, "minute": 2}
